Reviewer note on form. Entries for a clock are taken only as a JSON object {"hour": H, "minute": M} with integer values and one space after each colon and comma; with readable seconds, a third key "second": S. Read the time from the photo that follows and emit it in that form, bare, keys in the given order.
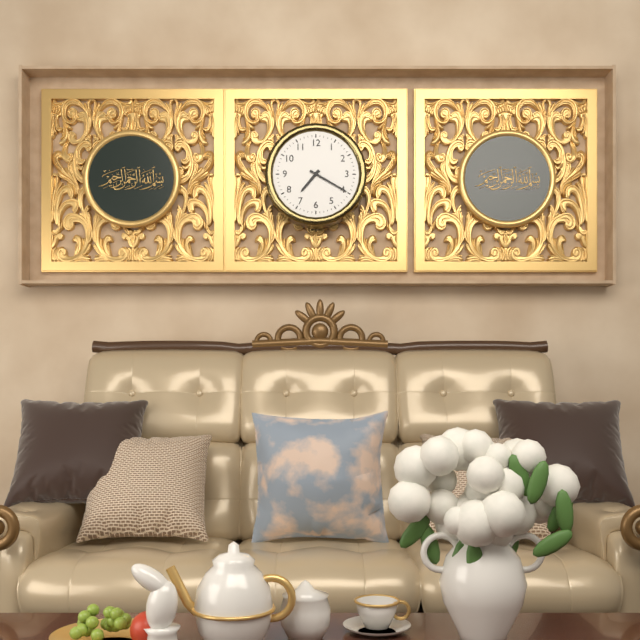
{"hour": 7, "minute": 20}
